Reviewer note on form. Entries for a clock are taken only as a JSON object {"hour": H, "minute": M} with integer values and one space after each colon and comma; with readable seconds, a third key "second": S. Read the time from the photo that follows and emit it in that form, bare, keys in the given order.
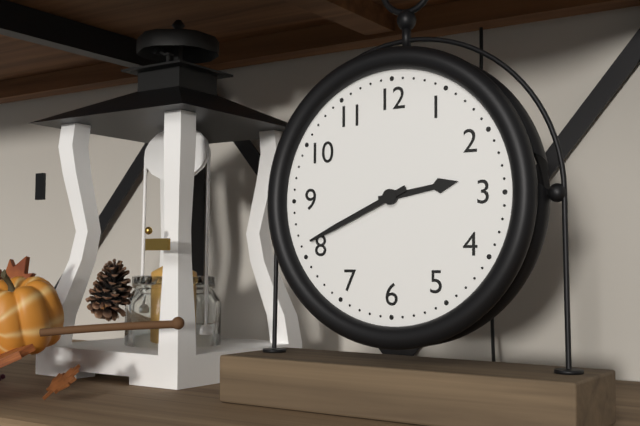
{"hour": 2, "minute": 41}
